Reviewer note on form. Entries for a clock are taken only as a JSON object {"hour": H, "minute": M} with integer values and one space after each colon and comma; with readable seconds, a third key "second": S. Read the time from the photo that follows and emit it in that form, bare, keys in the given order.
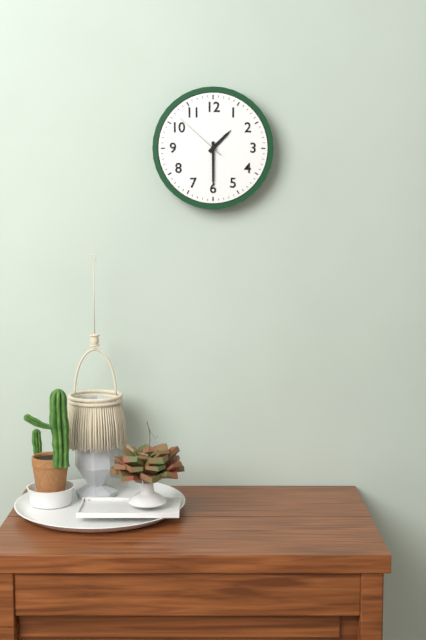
{"hour": 1, "minute": 30, "second": 52}
